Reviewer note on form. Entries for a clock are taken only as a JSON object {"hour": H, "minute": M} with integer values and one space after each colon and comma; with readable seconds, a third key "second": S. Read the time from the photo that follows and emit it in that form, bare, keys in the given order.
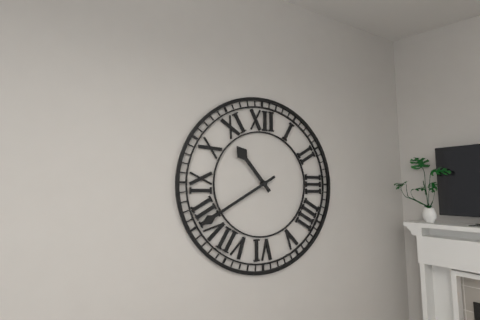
{"hour": 10, "minute": 40}
